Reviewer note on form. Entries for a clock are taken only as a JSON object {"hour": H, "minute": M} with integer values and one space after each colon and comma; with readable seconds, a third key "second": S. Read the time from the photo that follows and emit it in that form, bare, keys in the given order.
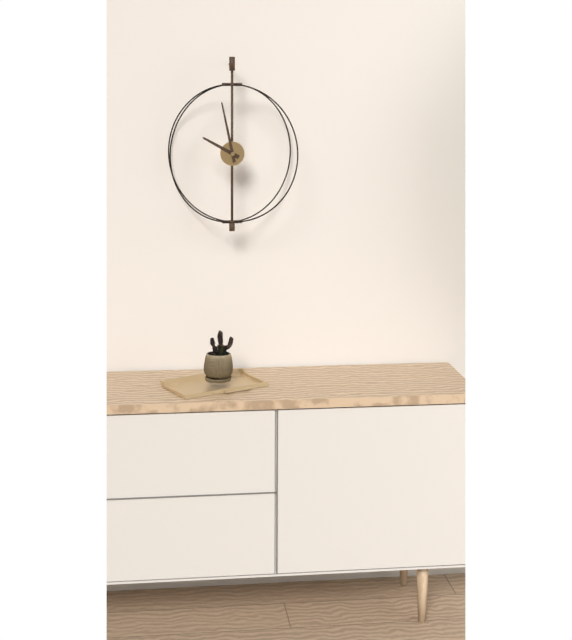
{"hour": 9, "minute": 58}
